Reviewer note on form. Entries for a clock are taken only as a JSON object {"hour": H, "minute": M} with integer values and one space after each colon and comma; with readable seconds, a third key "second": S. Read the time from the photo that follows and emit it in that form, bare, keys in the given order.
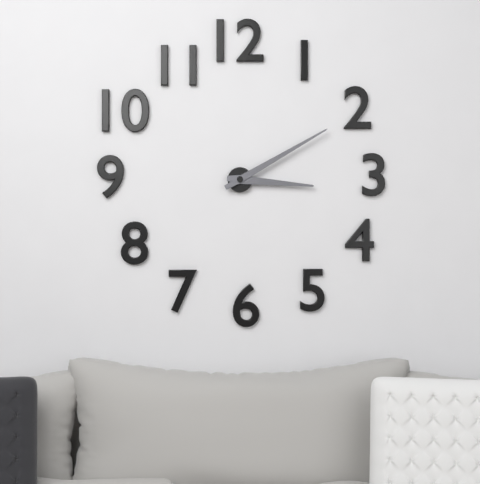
{"hour": 3, "minute": 10}
